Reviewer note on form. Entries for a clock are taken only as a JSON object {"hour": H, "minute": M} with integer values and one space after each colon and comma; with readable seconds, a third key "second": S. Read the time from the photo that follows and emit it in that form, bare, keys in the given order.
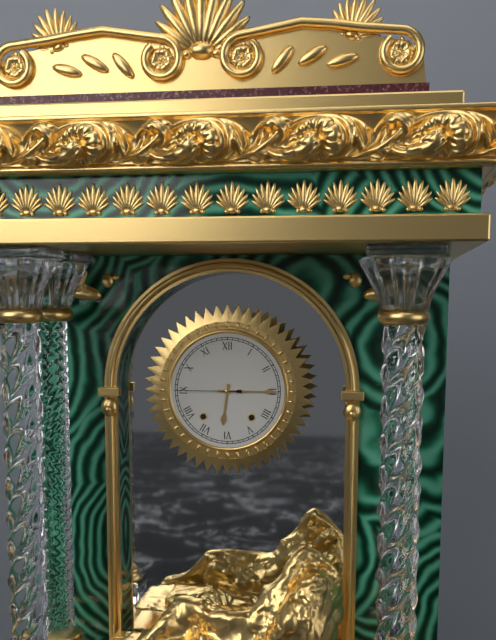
{"hour": 6, "minute": 15, "second": 45}
